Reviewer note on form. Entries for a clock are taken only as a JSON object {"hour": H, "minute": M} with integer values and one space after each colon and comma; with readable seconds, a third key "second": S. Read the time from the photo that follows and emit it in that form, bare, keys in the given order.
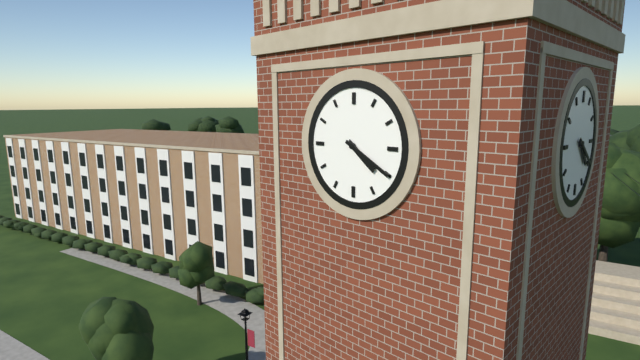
{"hour": 4, "minute": 20}
